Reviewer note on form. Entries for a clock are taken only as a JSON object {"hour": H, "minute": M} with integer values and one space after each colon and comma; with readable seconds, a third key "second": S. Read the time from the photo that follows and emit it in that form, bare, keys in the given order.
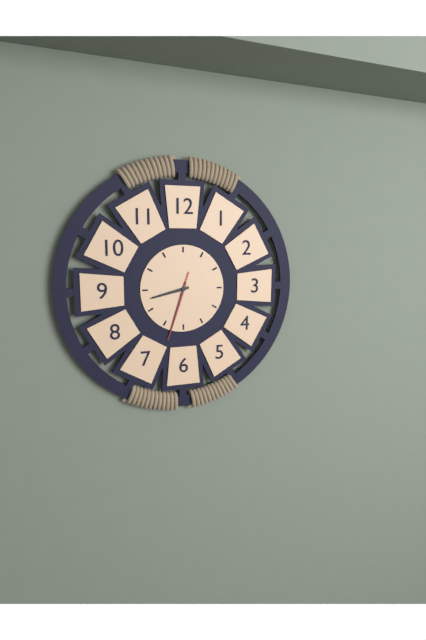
{"hour": 8, "minute": 33, "second": 33}
